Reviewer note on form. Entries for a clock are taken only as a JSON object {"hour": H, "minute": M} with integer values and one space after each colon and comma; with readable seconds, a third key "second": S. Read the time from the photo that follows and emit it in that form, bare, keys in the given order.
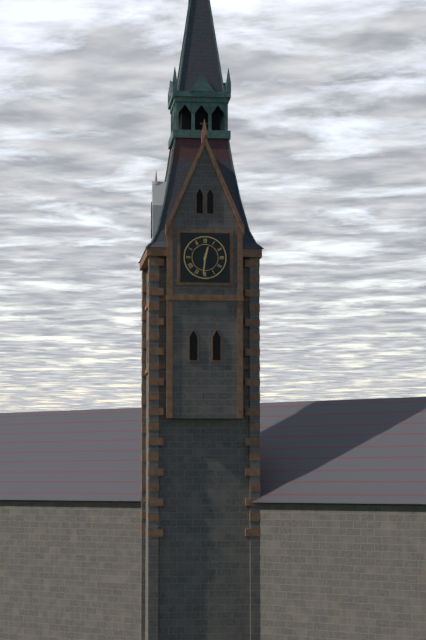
{"hour": 12, "minute": 31}
